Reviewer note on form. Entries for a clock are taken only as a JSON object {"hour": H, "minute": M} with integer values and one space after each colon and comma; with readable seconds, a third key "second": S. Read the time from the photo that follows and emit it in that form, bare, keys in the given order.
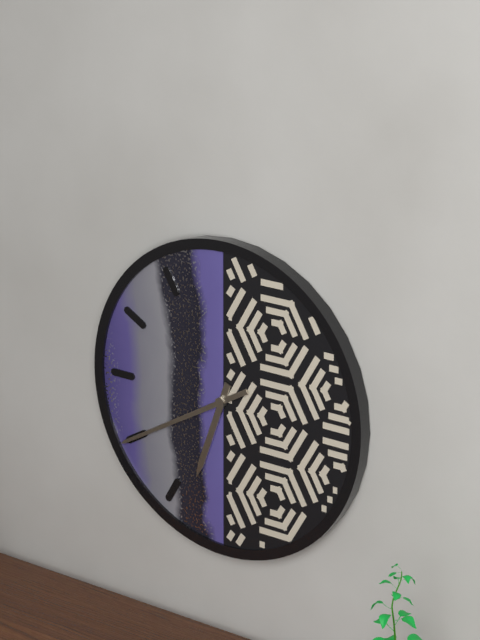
{"hour": 6, "minute": 40}
